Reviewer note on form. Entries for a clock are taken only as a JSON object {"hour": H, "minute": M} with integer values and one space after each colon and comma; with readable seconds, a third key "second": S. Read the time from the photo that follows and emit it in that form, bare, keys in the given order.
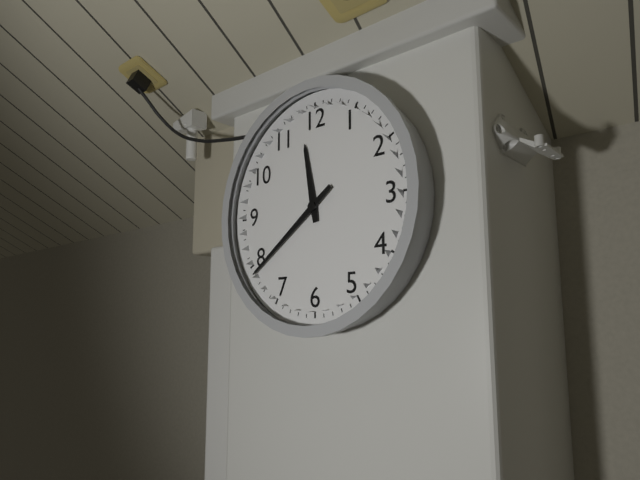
{"hour": 11, "minute": 39}
